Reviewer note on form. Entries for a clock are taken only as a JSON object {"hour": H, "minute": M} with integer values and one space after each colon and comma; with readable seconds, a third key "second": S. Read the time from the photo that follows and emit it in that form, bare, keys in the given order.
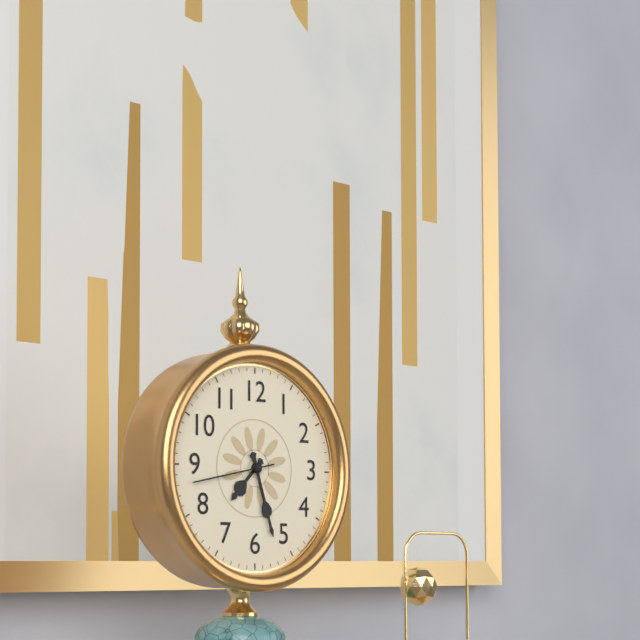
{"hour": 7, "minute": 27, "second": 43}
